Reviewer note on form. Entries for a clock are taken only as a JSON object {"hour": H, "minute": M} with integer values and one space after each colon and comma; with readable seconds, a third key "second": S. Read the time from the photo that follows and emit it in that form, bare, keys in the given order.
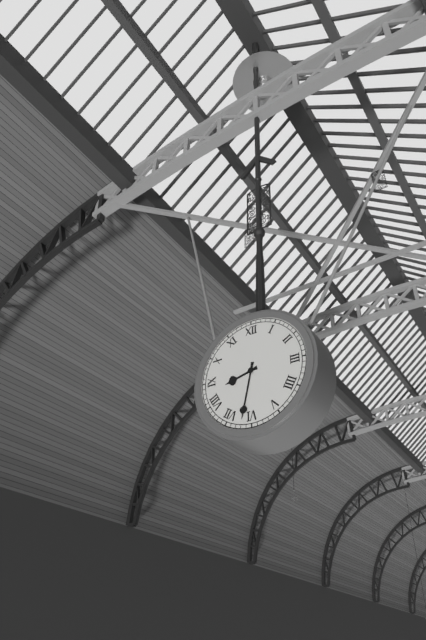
{"hour": 8, "minute": 32}
